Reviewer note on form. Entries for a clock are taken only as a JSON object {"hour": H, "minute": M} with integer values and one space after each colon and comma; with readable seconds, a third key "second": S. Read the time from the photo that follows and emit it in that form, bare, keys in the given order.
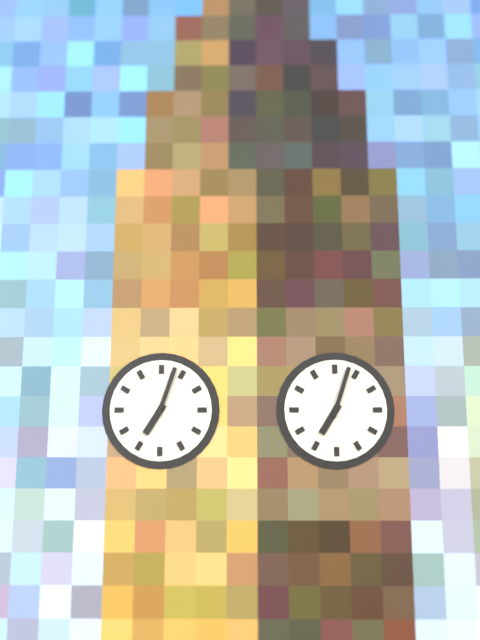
{"hour": 7, "minute": 3}
